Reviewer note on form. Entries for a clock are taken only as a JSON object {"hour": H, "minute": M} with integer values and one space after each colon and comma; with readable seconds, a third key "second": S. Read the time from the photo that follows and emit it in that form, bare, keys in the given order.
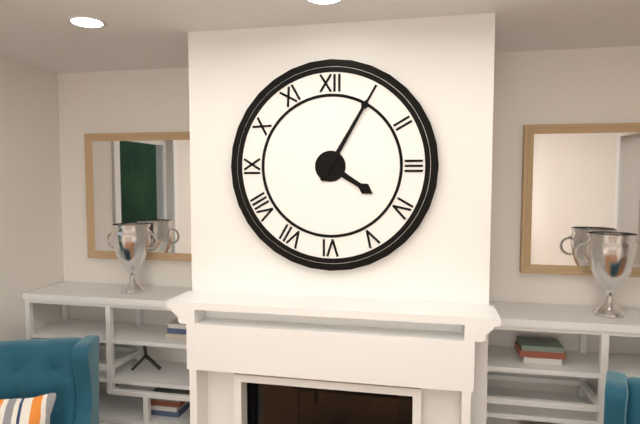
{"hour": 4, "minute": 5}
